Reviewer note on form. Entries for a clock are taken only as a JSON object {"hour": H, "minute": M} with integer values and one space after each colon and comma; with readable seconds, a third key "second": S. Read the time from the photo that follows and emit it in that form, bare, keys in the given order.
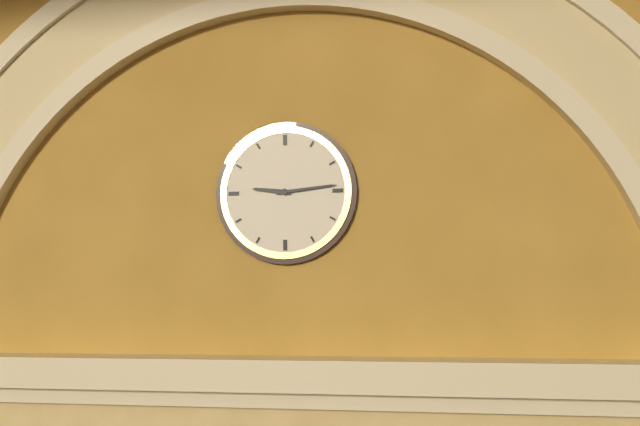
{"hour": 9, "minute": 14}
